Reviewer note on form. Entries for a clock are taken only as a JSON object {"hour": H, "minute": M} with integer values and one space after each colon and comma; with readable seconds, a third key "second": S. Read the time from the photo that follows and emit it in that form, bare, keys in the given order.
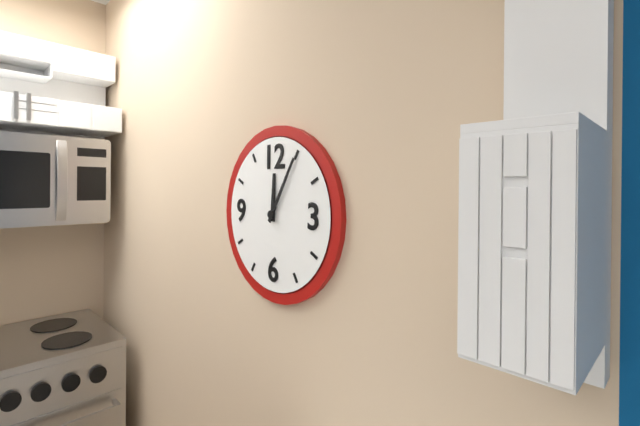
{"hour": 12, "minute": 5}
